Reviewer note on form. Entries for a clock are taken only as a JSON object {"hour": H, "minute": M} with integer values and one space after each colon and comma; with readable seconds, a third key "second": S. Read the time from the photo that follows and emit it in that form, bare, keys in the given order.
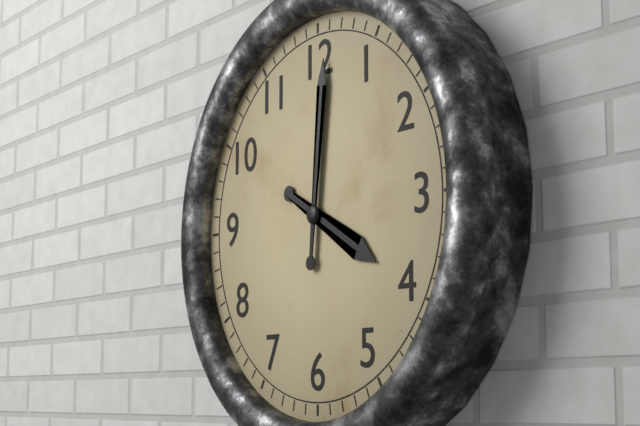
{"hour": 4, "minute": 1}
